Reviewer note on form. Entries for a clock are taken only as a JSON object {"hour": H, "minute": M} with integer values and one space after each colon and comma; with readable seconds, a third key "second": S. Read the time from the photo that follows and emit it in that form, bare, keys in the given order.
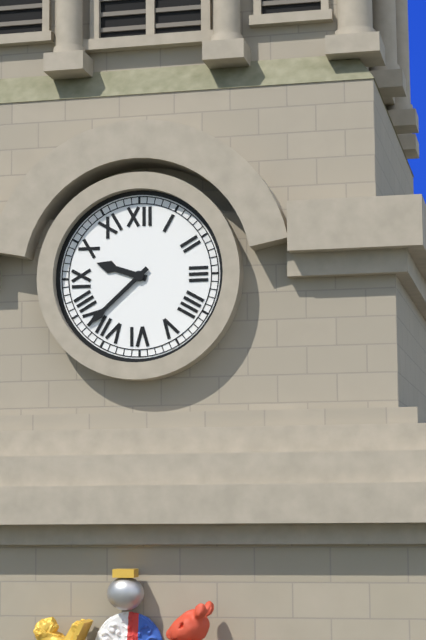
{"hour": 9, "minute": 38}
